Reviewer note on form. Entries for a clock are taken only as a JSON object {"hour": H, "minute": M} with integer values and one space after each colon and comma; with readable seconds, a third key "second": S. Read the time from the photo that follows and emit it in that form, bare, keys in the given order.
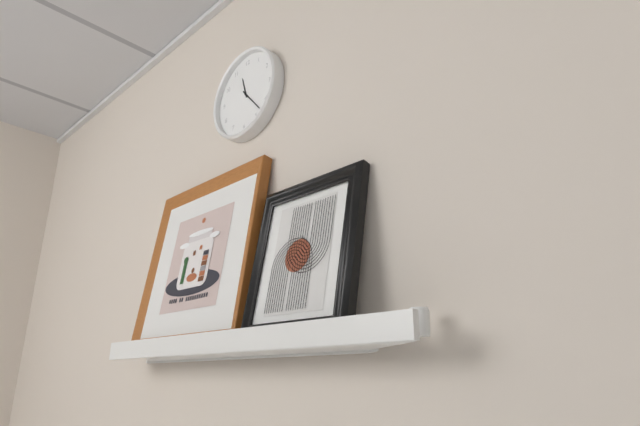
{"hour": 11, "minute": 23}
